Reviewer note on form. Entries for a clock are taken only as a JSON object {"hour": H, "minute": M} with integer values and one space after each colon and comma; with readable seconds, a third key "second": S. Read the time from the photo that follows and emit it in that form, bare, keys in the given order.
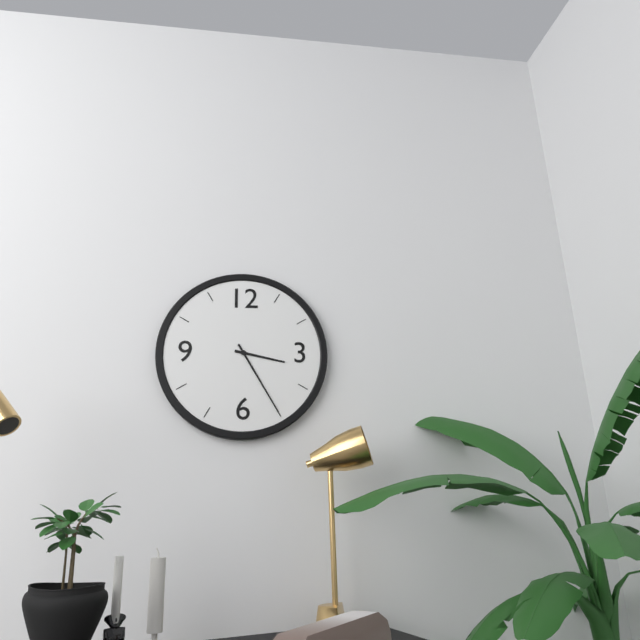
{"hour": 3, "minute": 25}
